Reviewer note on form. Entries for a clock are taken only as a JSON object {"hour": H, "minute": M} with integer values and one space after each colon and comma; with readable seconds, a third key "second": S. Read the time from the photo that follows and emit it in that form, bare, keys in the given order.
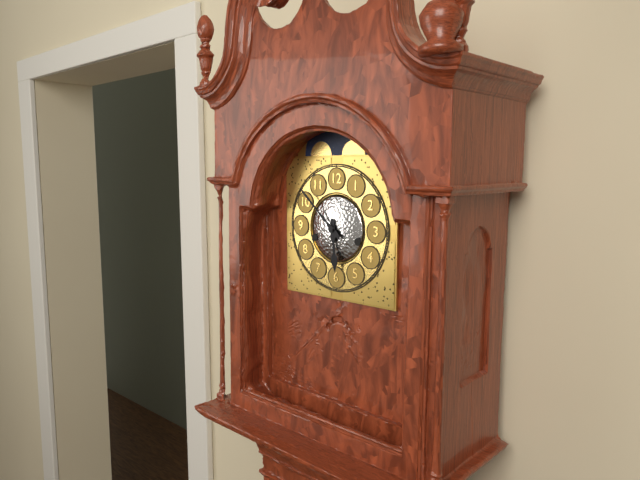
{"hour": 5, "minute": 52}
